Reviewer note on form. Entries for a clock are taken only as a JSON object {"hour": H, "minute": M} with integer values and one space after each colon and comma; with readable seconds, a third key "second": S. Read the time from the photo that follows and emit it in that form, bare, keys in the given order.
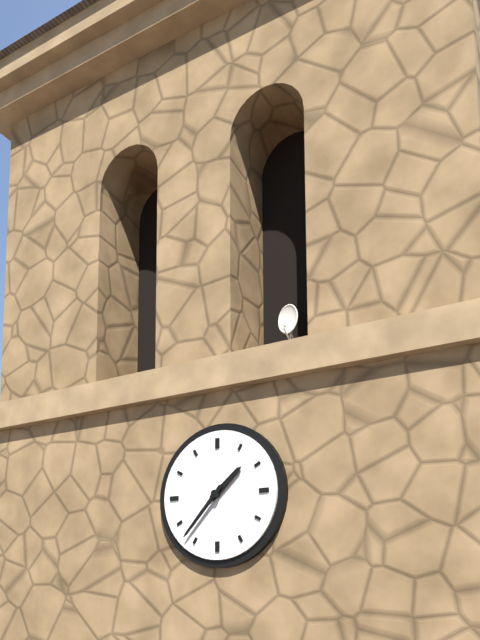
{"hour": 1, "minute": 37}
